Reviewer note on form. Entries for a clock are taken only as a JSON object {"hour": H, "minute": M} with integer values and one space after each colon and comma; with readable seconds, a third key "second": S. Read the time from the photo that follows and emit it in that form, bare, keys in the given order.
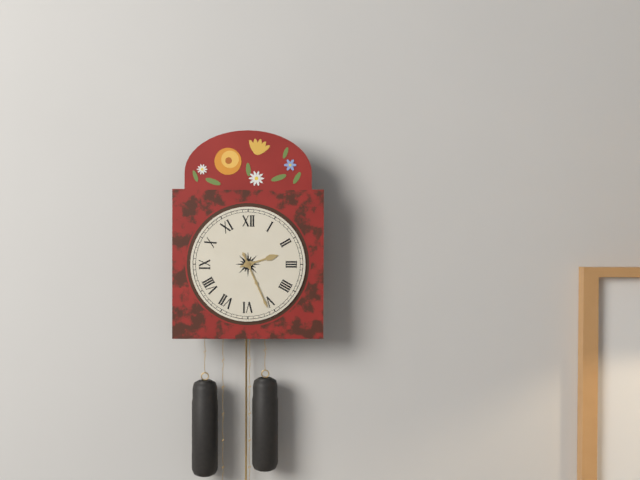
{"hour": 2, "minute": 26}
